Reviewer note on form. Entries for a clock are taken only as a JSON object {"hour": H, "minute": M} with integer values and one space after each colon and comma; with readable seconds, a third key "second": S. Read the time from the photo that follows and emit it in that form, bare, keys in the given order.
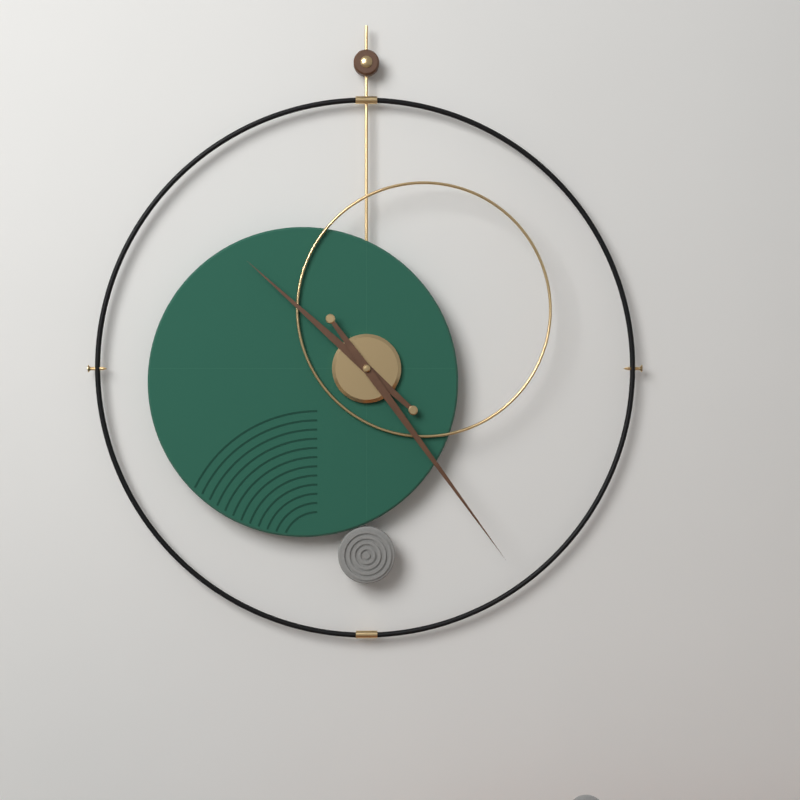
{"hour": 10, "minute": 24}
